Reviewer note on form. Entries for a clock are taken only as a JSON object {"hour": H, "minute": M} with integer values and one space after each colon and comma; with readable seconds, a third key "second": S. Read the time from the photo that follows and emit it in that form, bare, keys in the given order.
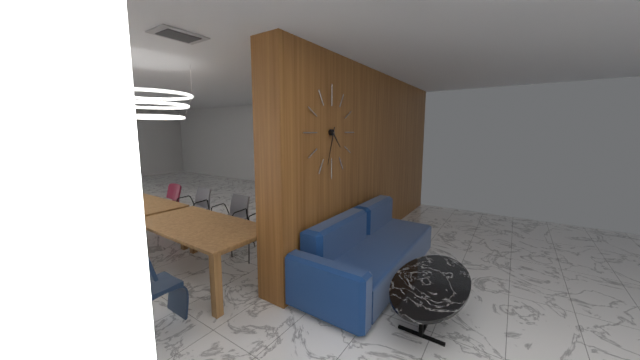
{"hour": 4, "minute": 33}
